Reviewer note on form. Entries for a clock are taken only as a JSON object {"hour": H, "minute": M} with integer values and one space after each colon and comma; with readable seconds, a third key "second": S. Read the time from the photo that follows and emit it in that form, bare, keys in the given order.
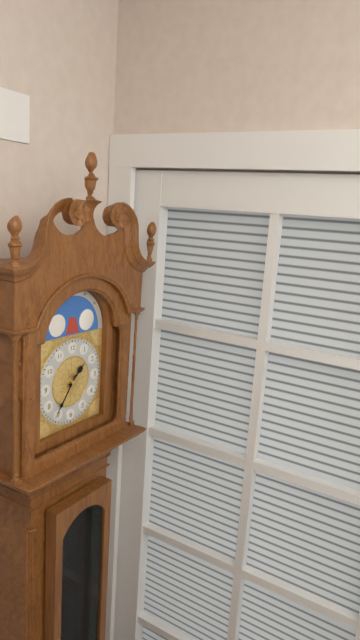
{"hour": 1, "minute": 36}
